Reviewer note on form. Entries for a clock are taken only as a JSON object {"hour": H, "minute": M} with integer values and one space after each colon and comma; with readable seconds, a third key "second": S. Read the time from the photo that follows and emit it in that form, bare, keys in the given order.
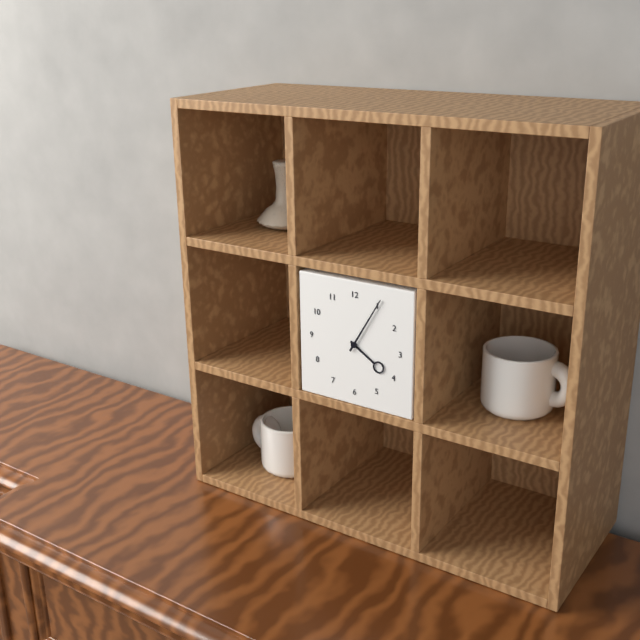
{"hour": 4, "minute": 5}
